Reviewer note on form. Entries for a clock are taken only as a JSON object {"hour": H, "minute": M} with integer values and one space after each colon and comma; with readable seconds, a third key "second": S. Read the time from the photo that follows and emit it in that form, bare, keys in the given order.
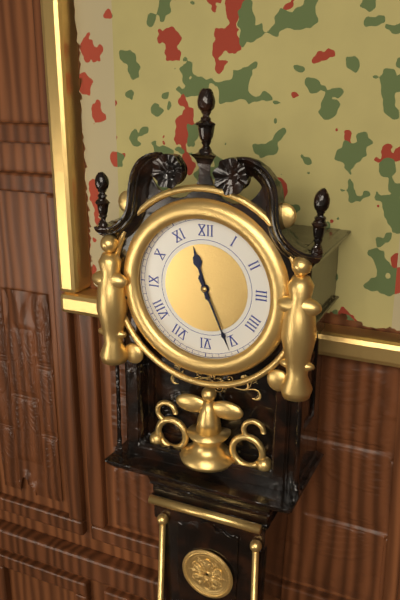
{"hour": 11, "minute": 26}
